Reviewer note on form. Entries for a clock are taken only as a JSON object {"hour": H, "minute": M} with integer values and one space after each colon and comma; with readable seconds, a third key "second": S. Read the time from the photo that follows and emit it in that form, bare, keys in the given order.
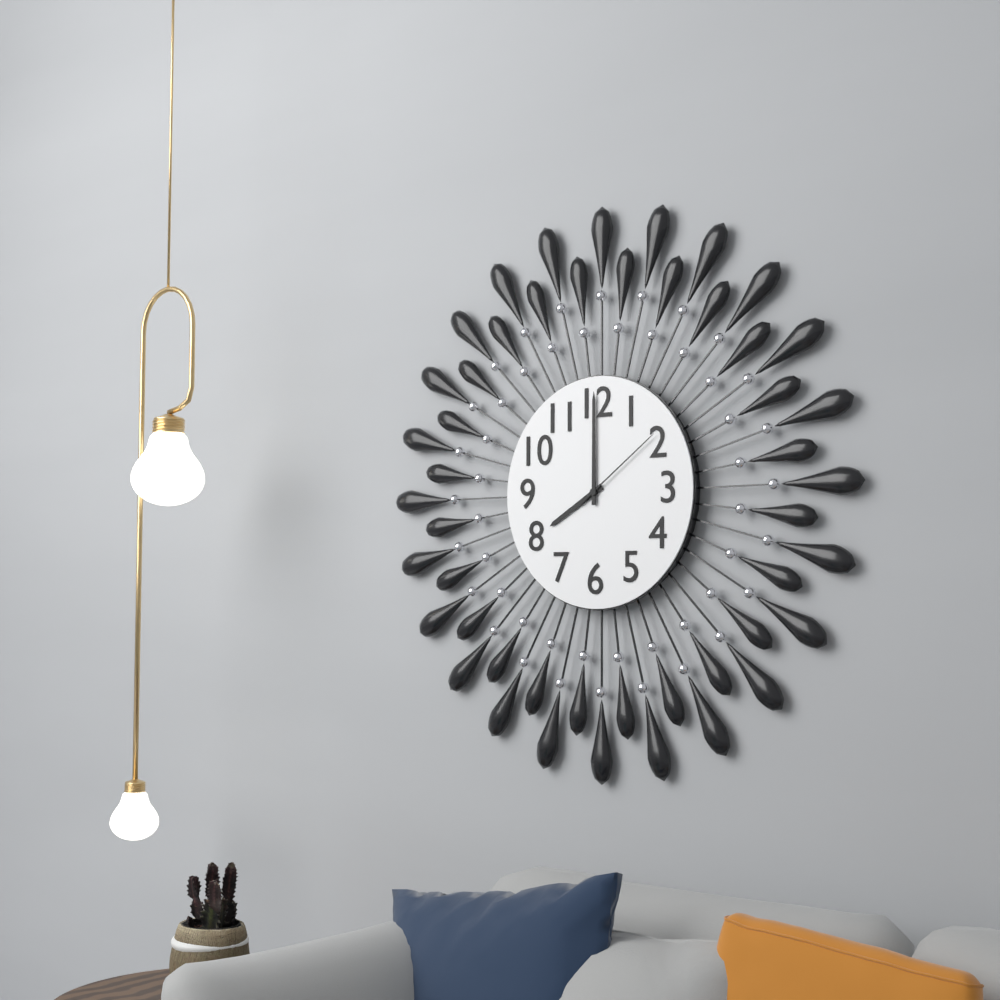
{"hour": 8, "minute": 0, "second": 9}
